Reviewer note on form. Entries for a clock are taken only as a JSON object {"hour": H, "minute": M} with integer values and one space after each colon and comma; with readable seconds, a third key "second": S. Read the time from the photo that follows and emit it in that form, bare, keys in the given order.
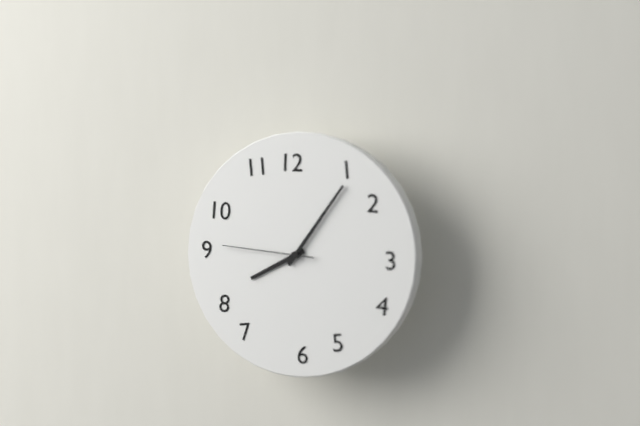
{"hour": 8, "minute": 6, "second": 46}
